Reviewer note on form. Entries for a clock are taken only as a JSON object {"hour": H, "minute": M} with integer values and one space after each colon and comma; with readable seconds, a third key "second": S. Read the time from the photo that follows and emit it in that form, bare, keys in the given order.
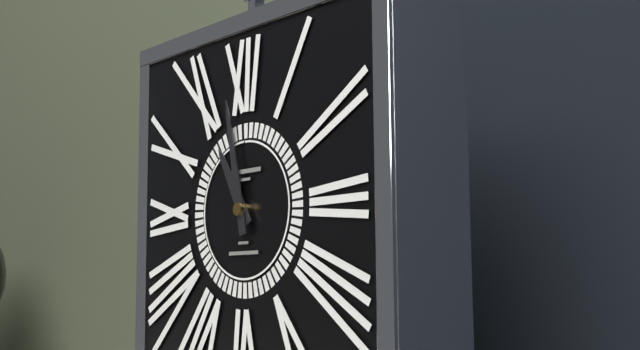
{"hour": 10, "minute": 58}
